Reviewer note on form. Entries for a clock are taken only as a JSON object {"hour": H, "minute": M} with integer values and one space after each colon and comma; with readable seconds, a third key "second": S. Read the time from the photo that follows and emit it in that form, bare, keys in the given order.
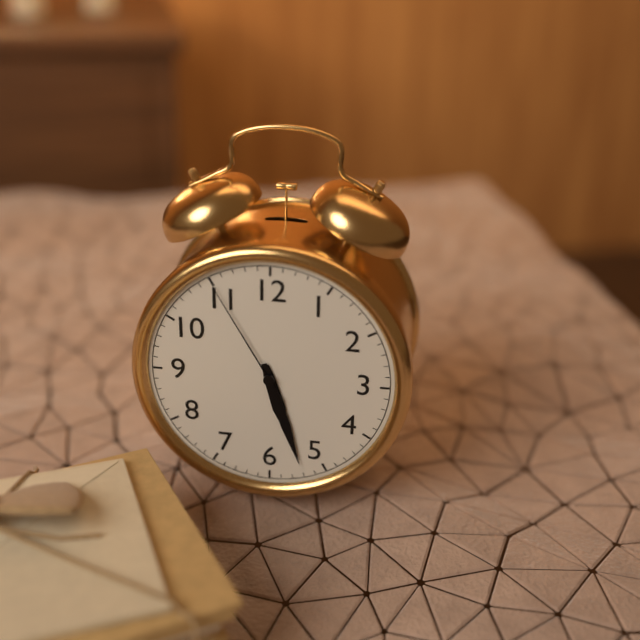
{"hour": 5, "minute": 27, "second": 55}
